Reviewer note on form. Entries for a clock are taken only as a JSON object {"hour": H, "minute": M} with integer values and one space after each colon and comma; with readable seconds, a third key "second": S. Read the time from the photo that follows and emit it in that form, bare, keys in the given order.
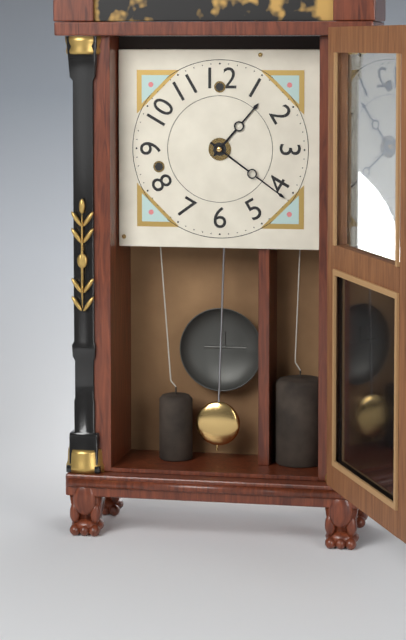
{"hour": 1, "minute": 21}
